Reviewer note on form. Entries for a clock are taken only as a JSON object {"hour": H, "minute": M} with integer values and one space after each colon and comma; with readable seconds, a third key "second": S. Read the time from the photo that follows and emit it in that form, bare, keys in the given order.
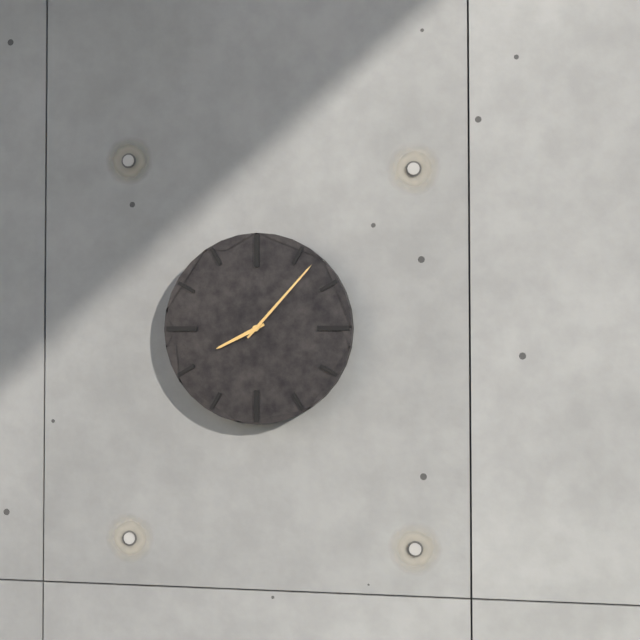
{"hour": 8, "minute": 7}
